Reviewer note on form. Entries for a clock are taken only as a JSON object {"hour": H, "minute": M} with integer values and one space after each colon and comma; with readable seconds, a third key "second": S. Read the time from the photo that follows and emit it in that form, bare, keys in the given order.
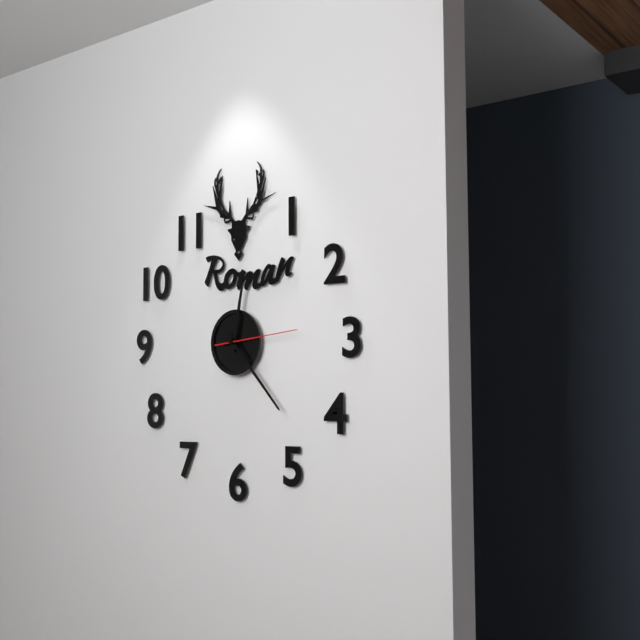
{"hour": 12, "minute": 23, "second": 14}
